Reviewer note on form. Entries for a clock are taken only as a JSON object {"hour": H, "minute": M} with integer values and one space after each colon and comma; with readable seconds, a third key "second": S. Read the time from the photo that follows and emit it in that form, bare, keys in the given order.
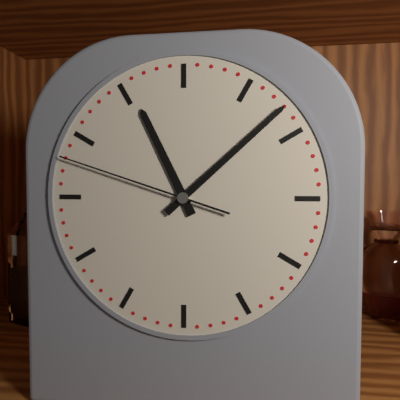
{"hour": 11, "minute": 8, "second": 48}
